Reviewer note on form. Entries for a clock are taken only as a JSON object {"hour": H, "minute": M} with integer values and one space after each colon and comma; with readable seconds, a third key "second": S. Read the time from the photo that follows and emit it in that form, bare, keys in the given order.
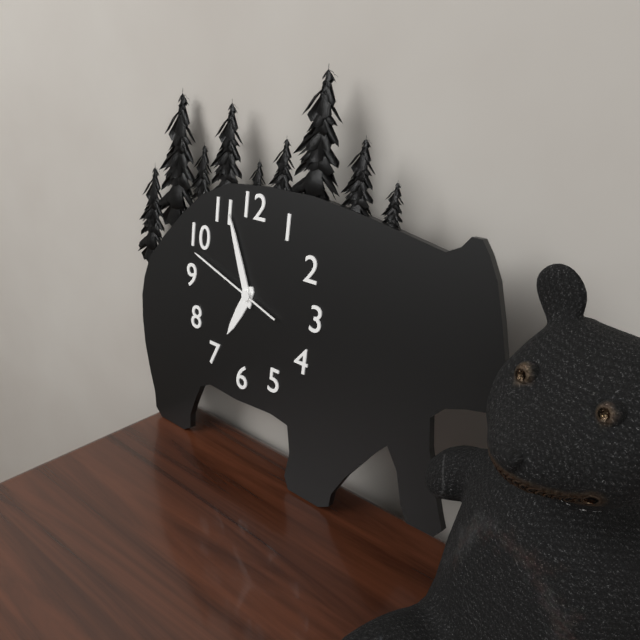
{"hour": 6, "minute": 56, "second": 48}
